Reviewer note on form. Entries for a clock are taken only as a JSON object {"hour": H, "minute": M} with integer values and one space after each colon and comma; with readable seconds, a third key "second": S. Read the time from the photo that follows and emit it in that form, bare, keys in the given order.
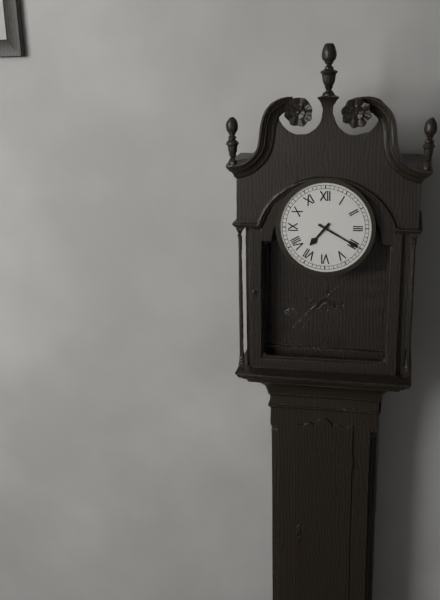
{"hour": 7, "minute": 20}
